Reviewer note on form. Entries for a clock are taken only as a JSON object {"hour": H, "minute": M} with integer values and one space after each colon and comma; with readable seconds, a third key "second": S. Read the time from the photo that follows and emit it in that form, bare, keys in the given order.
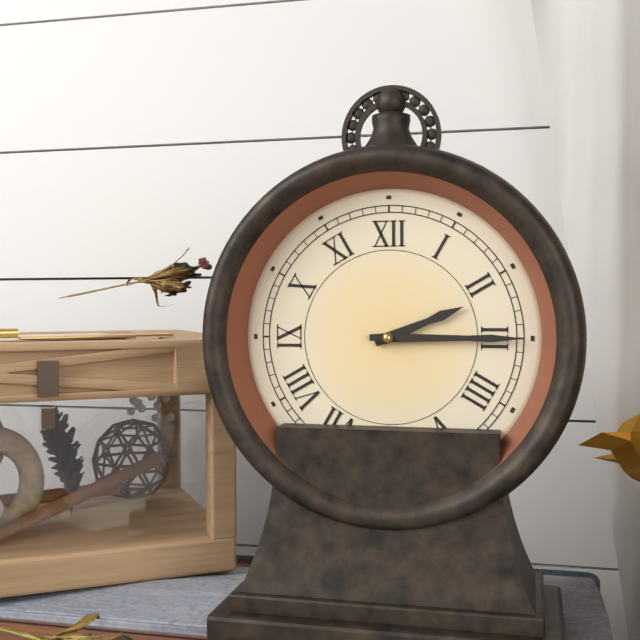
{"hour": 2, "minute": 15}
